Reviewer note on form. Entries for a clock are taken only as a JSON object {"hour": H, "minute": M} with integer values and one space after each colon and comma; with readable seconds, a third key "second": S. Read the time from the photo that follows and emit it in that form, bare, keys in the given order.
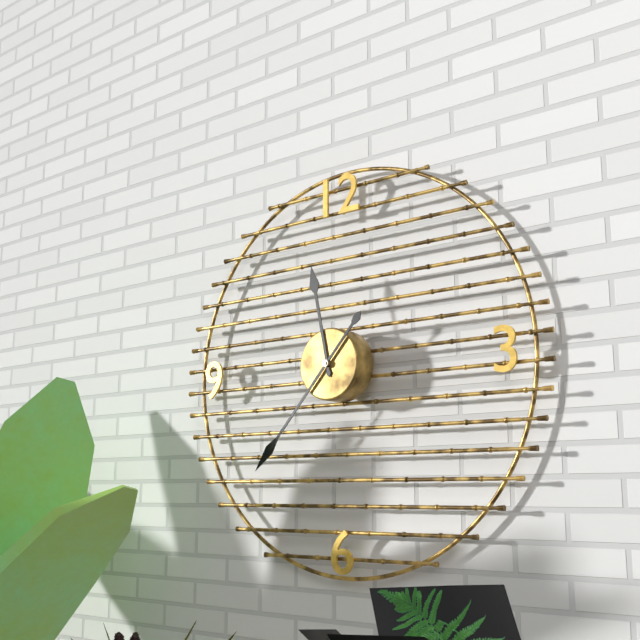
{"hour": 11, "minute": 37}
